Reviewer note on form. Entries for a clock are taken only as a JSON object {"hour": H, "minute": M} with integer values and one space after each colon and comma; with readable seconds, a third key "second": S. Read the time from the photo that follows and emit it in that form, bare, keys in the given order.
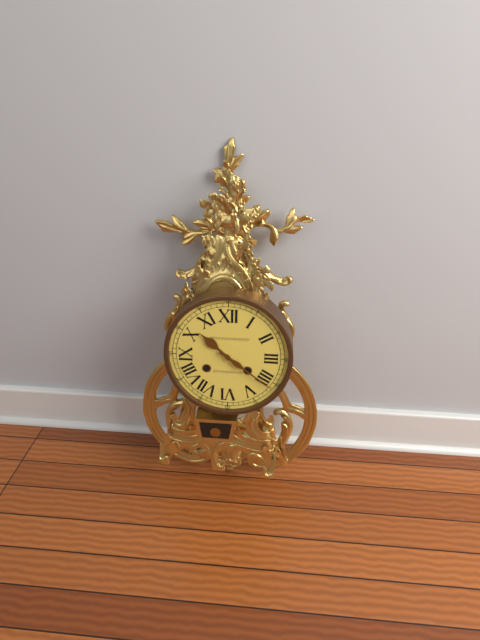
{"hour": 10, "minute": 21}
